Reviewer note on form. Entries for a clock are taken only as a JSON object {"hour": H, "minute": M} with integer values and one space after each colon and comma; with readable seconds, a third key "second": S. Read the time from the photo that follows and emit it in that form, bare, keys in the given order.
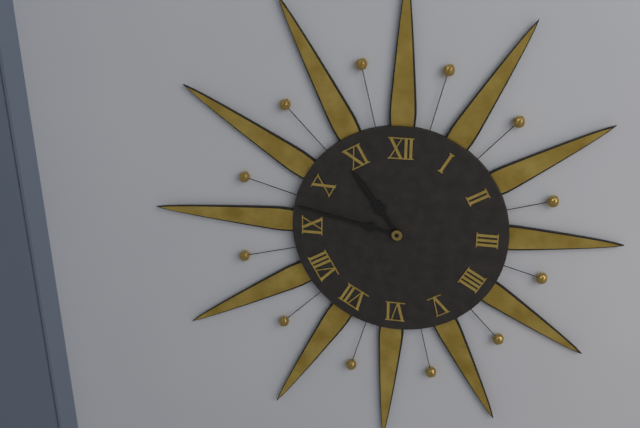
{"hour": 10, "minute": 47}
